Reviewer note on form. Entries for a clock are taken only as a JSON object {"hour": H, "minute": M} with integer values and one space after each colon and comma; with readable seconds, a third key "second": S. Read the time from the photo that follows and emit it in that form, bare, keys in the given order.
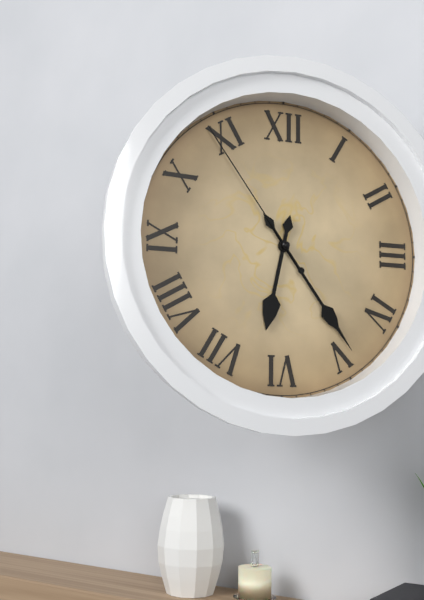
{"hour": 6, "minute": 24, "second": 54}
